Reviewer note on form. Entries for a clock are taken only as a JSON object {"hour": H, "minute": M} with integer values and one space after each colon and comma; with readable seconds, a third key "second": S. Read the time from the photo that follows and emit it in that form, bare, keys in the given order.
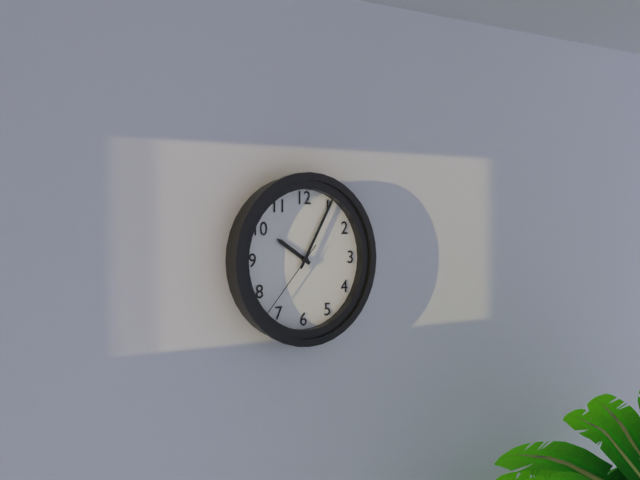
{"hour": 10, "minute": 5, "second": 37}
